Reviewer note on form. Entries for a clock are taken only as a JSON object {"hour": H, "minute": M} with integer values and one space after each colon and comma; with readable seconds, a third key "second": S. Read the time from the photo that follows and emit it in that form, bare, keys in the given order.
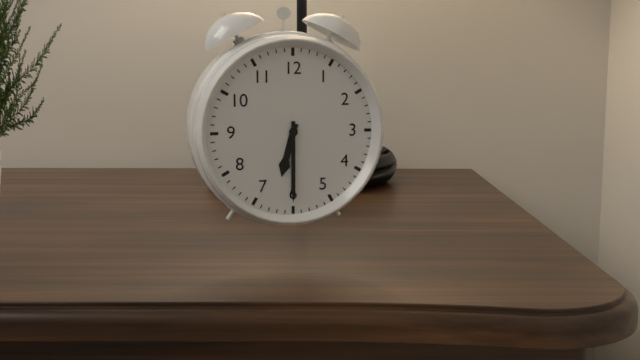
{"hour": 6, "minute": 30}
